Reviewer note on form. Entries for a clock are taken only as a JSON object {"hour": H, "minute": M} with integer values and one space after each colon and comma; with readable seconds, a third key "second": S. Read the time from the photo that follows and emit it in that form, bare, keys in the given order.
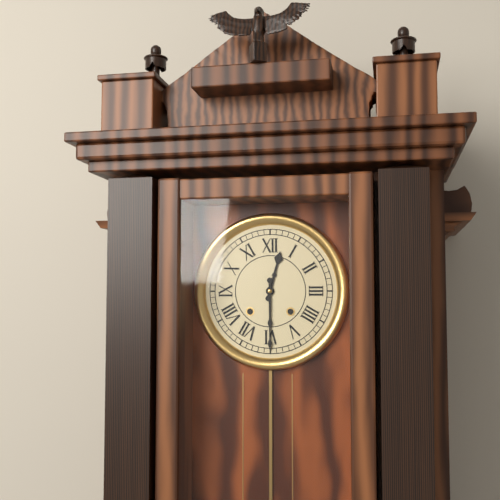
{"hour": 12, "minute": 30}
